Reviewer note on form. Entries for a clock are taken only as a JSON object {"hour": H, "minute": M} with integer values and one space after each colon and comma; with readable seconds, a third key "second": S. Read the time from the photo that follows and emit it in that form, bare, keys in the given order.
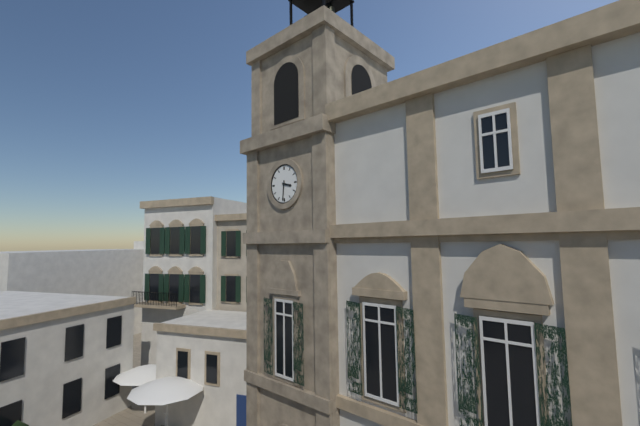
{"hour": 3, "minute": 31}
